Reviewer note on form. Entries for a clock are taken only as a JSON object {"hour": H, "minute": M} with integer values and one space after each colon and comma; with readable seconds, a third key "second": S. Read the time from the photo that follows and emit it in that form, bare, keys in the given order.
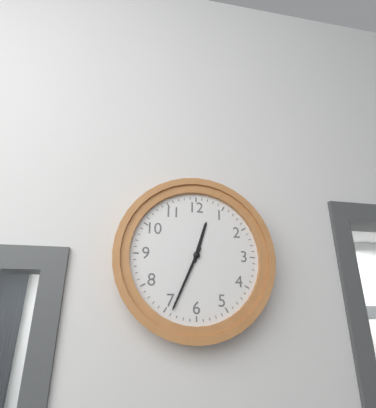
{"hour": 12, "minute": 34}
